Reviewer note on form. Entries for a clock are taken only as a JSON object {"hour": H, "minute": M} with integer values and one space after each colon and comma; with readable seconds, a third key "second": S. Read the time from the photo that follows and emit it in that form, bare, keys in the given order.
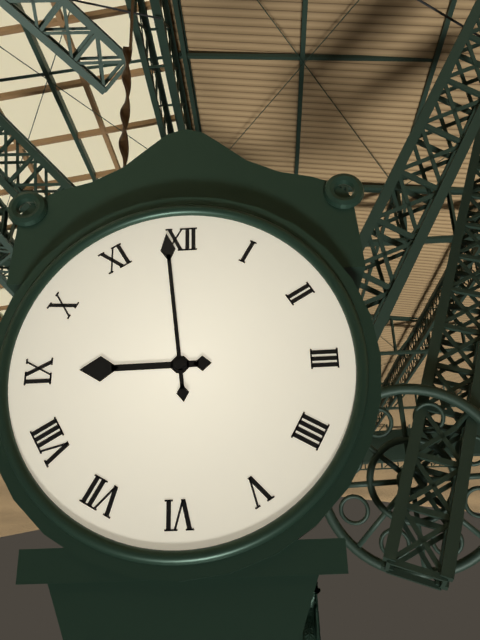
{"hour": 8, "minute": 59}
